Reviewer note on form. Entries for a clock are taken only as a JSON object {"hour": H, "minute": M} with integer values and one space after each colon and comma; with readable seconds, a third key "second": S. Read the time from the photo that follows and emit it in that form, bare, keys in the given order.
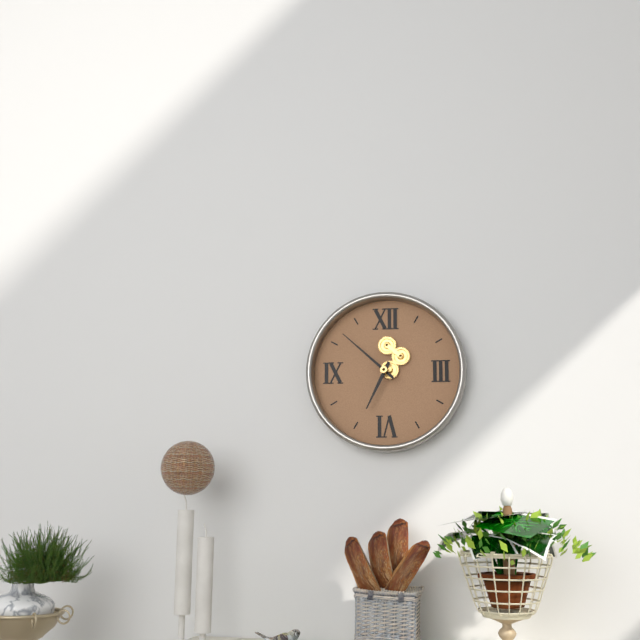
{"hour": 6, "minute": 52}
